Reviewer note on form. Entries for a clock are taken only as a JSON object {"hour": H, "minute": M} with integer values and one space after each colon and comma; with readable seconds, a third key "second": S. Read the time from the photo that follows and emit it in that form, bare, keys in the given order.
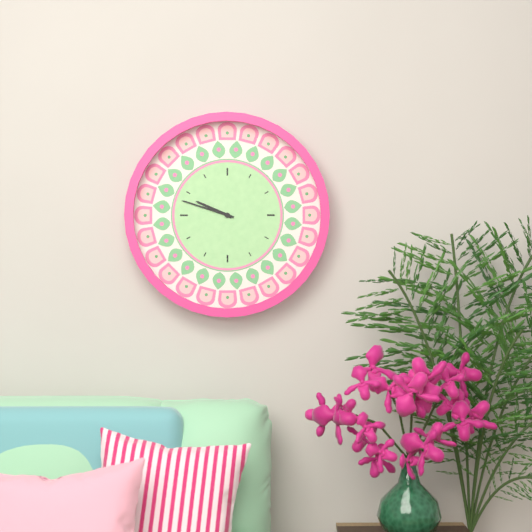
{"hour": 9, "minute": 48}
